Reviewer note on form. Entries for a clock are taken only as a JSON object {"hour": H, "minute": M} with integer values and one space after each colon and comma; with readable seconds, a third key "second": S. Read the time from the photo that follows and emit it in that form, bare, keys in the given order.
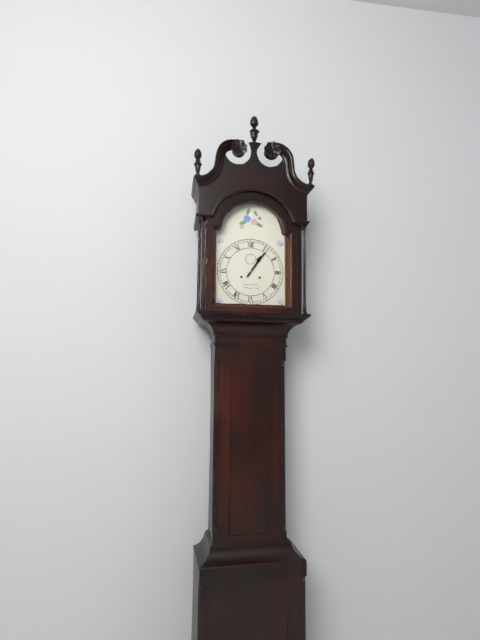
{"hour": 1, "minute": 6}
